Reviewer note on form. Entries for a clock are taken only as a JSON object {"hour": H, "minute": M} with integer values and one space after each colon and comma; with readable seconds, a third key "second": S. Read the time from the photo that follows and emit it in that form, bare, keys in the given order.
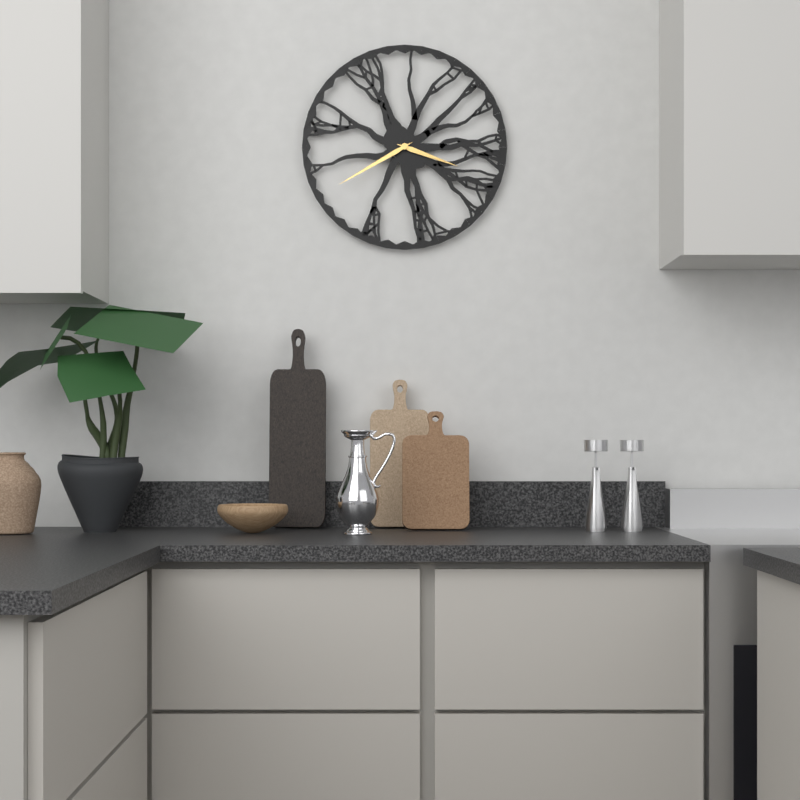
{"hour": 3, "minute": 40}
